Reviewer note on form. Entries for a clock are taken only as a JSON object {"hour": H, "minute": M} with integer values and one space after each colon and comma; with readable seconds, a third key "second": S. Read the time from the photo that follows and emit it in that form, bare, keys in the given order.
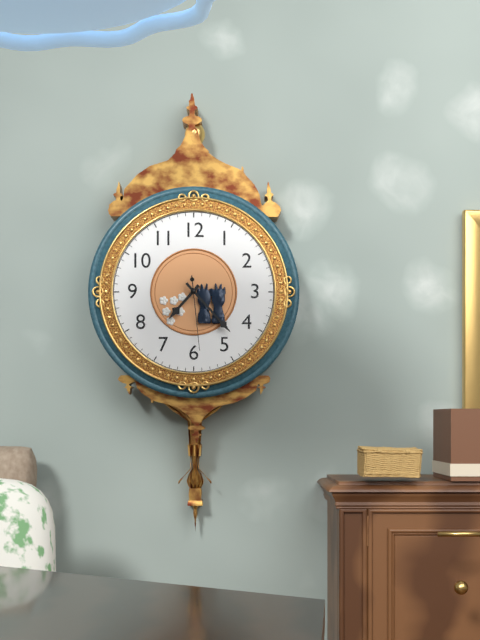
{"hour": 7, "minute": 23, "second": 29}
